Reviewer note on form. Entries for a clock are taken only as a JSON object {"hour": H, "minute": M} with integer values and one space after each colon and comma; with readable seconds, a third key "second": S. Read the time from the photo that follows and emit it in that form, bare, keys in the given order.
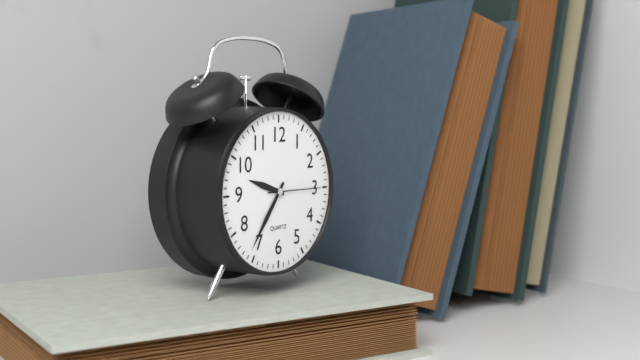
{"hour": 9, "minute": 36, "second": 15}
